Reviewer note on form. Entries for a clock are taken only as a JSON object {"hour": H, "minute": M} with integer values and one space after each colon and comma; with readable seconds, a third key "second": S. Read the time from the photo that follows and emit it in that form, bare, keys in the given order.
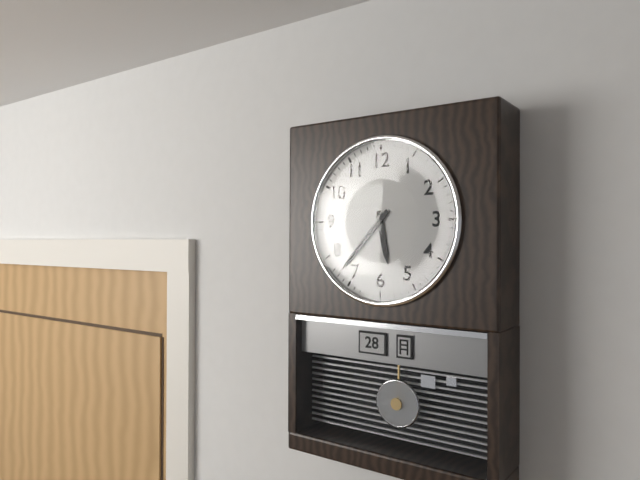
{"hour": 5, "minute": 37}
